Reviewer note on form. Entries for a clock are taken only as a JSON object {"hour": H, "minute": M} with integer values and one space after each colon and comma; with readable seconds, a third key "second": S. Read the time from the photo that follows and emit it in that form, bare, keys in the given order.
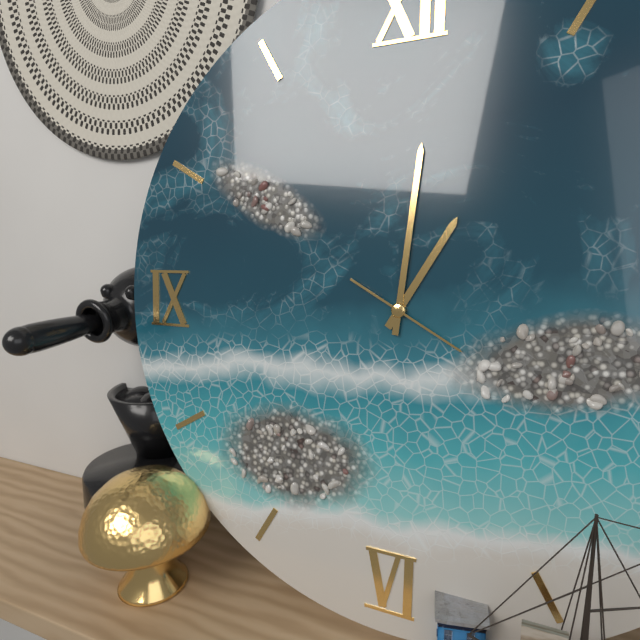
{"hour": 1, "minute": 1, "second": 20}
